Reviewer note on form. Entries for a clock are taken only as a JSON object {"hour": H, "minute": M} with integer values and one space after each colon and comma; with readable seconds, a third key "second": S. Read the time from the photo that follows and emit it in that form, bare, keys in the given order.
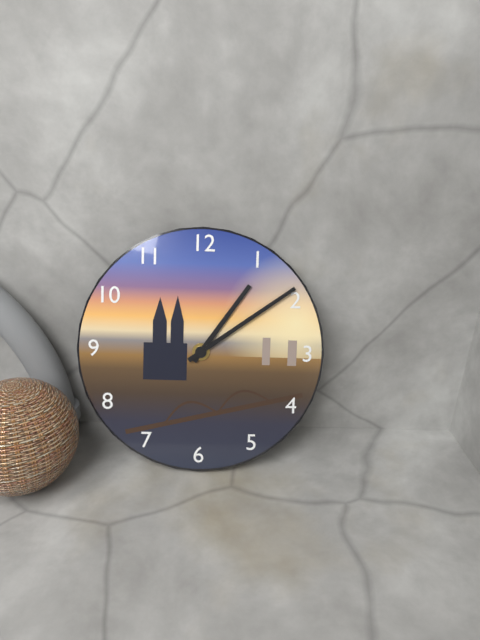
{"hour": 1, "minute": 9}
